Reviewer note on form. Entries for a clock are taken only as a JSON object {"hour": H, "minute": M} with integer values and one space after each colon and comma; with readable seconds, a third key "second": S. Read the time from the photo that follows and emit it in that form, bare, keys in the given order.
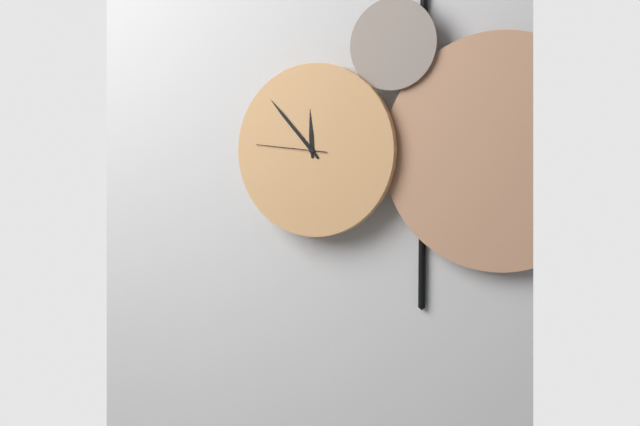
{"hour": 11, "minute": 53, "second": 46}
